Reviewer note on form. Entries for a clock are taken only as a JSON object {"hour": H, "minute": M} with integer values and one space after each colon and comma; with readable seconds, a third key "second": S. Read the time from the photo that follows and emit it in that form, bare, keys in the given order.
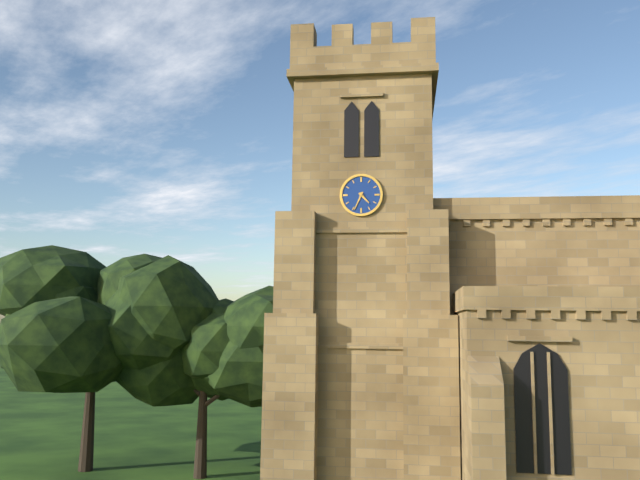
{"hour": 4, "minute": 34}
